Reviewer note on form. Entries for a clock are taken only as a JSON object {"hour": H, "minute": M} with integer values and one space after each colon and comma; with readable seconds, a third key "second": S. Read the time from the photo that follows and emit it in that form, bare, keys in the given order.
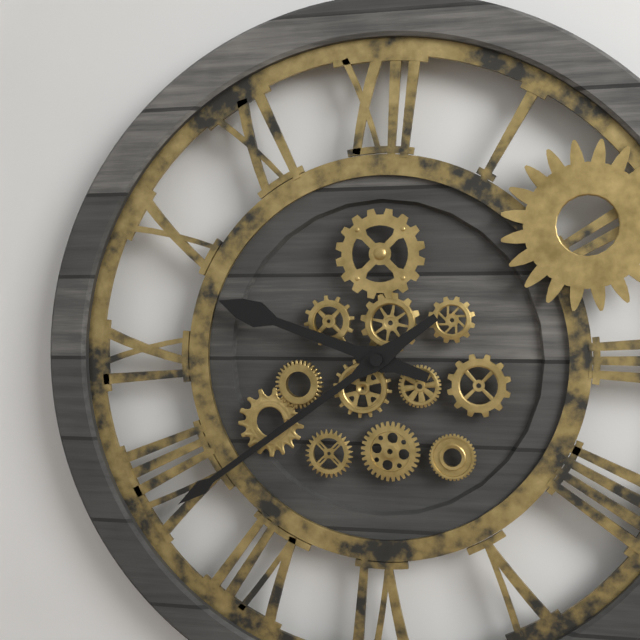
{"hour": 9, "minute": 39}
